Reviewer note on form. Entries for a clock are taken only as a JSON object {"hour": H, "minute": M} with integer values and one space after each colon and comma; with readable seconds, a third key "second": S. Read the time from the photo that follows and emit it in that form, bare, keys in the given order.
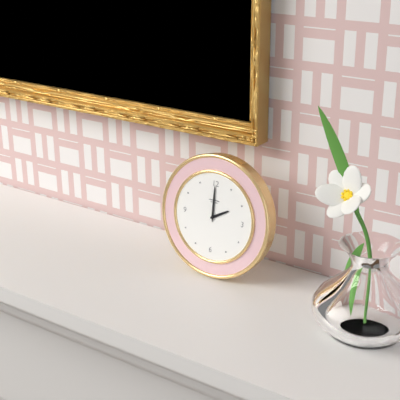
{"hour": 2, "minute": 0}
